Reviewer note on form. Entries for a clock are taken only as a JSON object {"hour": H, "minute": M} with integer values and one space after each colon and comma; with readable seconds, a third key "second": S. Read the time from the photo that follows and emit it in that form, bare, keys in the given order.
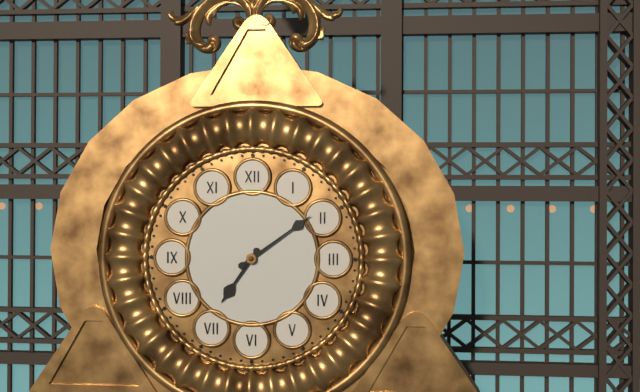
{"hour": 7, "minute": 9}
